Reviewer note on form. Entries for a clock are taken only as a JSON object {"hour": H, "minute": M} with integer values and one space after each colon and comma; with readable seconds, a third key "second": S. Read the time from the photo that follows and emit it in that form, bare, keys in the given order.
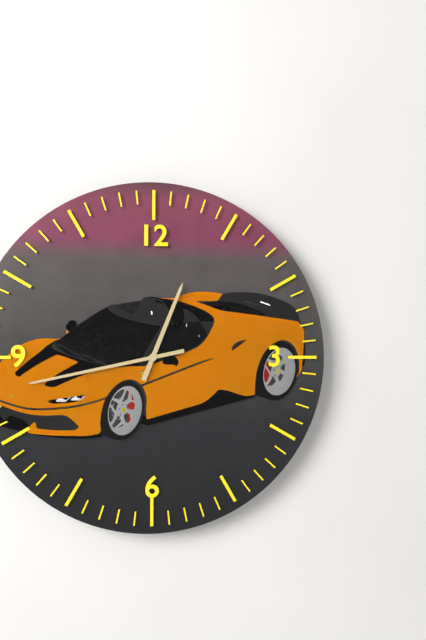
{"hour": 12, "minute": 43}
